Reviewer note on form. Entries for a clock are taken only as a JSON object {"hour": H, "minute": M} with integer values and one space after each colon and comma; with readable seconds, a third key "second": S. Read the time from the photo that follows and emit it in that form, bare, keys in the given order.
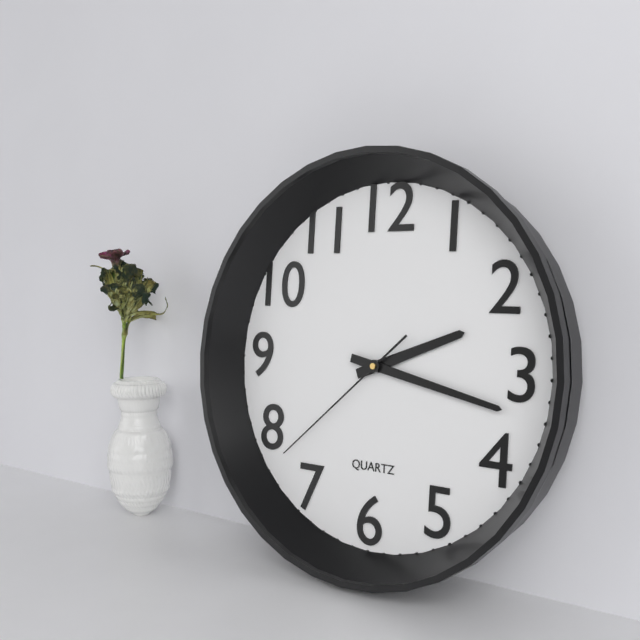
{"hour": 2, "minute": 17, "second": 38}
